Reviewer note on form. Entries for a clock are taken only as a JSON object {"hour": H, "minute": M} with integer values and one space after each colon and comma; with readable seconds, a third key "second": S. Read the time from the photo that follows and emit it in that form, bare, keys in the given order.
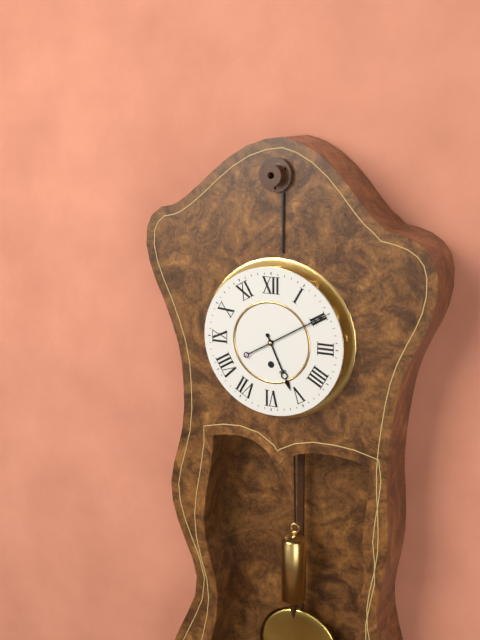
{"hour": 5, "minute": 10}
